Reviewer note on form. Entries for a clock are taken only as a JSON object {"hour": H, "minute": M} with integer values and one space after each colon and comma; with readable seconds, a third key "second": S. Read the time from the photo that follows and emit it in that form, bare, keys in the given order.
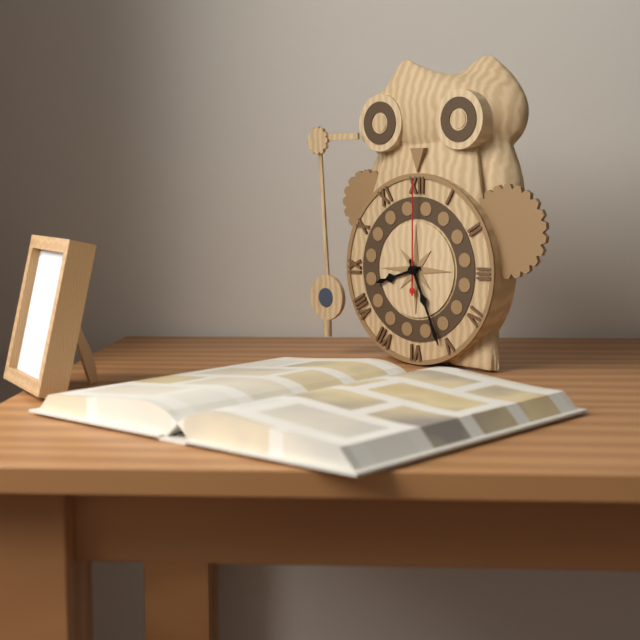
{"hour": 8, "minute": 26, "second": 0}
